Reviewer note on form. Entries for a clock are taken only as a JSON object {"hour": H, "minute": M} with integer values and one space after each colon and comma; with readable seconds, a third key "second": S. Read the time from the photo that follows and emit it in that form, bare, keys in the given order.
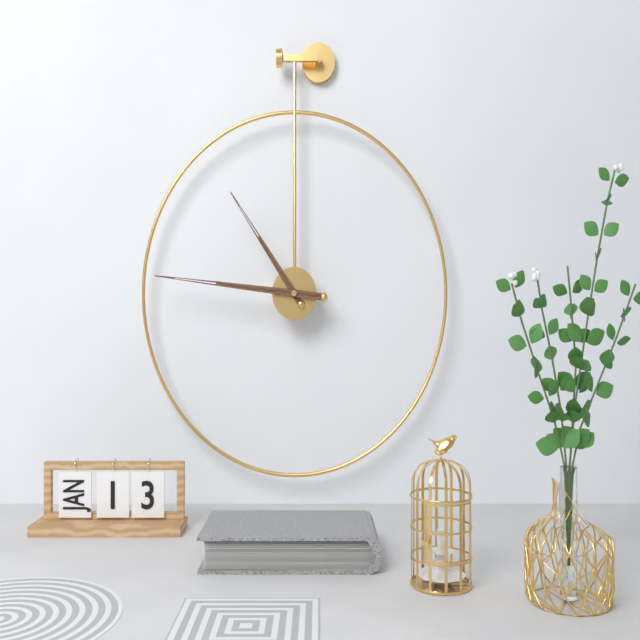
{"hour": 10, "minute": 46}
